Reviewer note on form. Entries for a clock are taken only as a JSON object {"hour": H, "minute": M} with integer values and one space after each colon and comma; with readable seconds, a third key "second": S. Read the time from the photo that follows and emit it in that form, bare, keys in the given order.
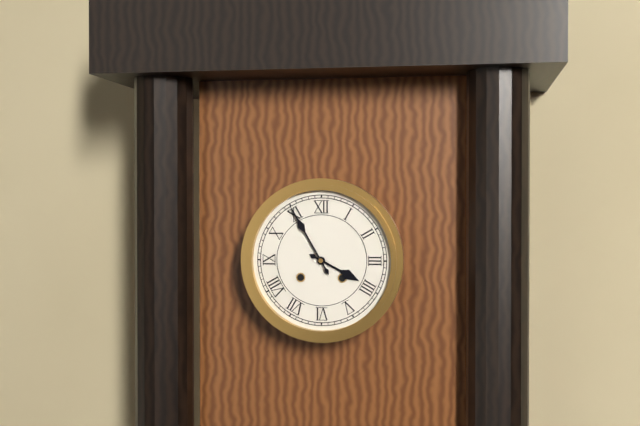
{"hour": 3, "minute": 55}
